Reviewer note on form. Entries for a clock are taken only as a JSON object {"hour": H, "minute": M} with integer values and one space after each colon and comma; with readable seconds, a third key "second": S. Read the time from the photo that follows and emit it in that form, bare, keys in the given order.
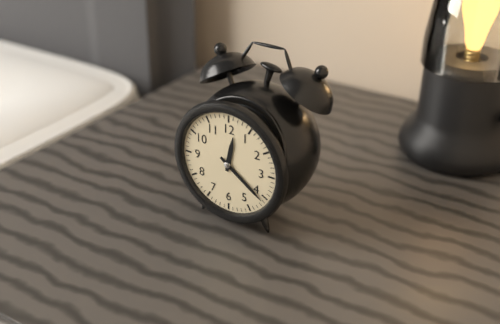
{"hour": 12, "minute": 21}
